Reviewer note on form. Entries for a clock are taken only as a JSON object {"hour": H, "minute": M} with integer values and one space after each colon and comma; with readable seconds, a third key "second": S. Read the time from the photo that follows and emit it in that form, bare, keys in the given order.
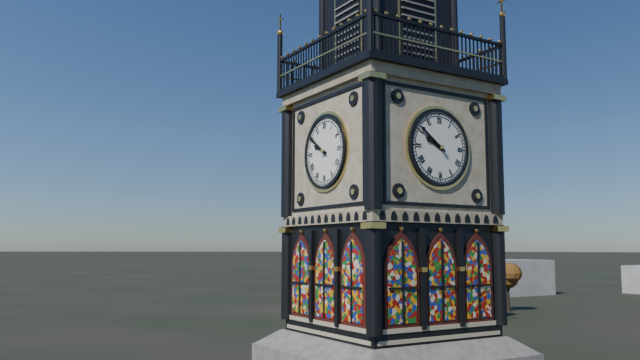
{"hour": 9, "minute": 51}
